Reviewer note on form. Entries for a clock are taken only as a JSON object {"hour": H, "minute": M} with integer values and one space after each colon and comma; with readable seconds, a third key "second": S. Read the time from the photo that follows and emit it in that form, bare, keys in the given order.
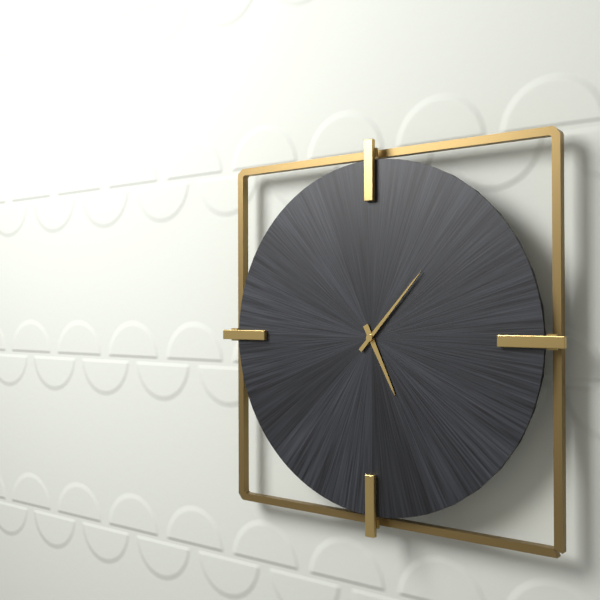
{"hour": 5, "minute": 7}
